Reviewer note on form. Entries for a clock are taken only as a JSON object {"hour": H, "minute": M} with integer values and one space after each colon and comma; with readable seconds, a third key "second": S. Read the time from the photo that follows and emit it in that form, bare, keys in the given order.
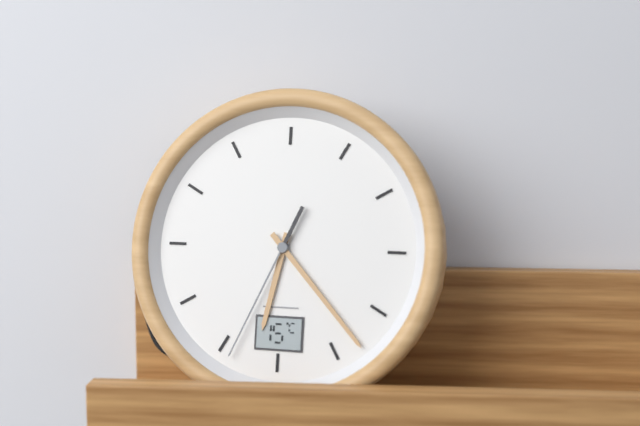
{"hour": 6, "minute": 23, "second": 34}
